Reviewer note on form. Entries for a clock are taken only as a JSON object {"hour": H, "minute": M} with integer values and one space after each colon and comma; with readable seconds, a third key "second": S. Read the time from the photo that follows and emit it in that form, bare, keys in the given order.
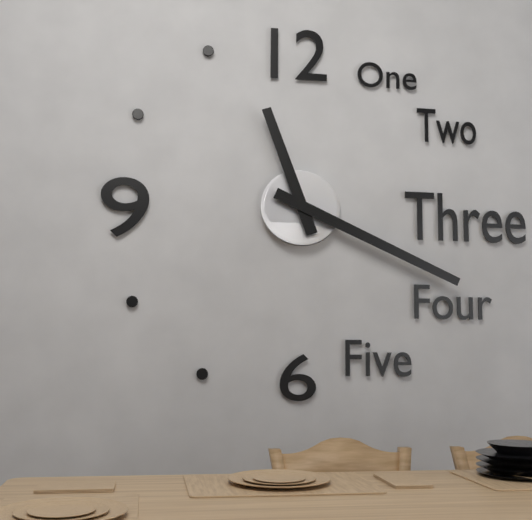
{"hour": 11, "minute": 19}
